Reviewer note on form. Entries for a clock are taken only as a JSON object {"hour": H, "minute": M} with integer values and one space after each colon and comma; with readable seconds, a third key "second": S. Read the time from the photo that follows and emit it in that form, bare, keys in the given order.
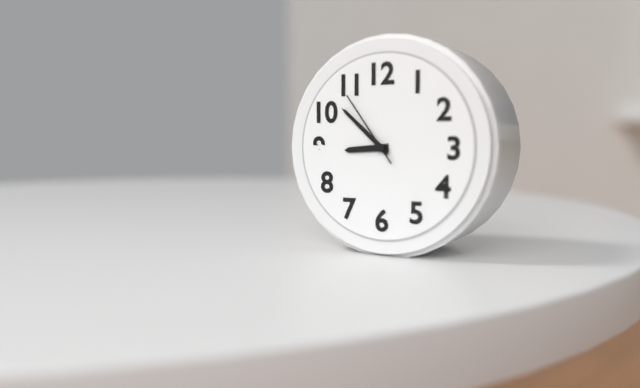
{"hour": 8, "minute": 52, "second": 54}
